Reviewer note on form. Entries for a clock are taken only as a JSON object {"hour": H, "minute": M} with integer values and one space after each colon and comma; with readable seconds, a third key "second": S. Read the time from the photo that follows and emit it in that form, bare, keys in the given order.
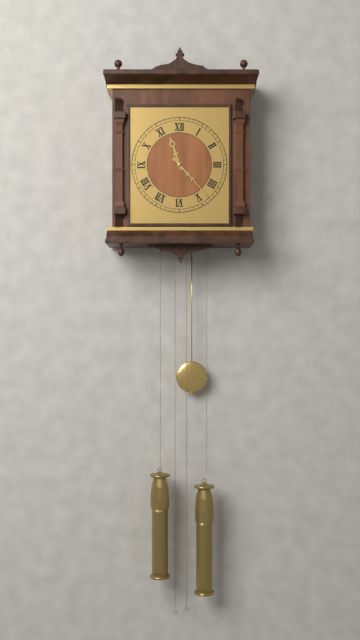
{"hour": 11, "minute": 23}
